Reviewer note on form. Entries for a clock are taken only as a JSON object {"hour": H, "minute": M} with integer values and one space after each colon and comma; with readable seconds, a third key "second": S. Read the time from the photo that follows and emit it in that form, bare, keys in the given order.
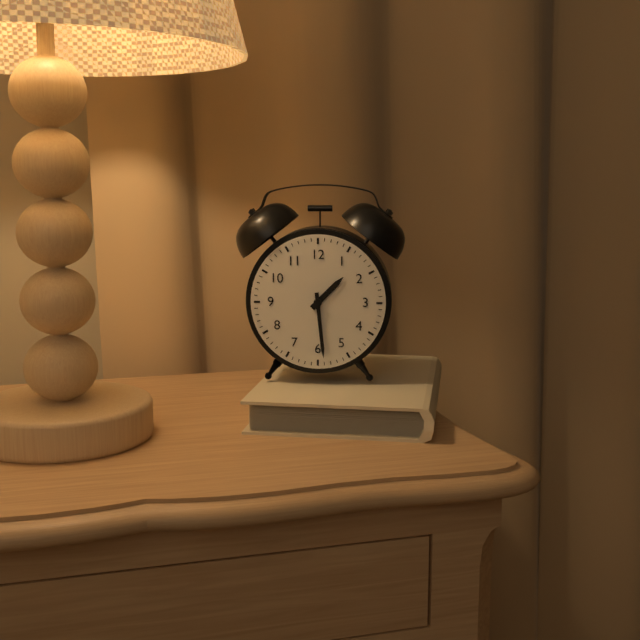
{"hour": 1, "minute": 29}
